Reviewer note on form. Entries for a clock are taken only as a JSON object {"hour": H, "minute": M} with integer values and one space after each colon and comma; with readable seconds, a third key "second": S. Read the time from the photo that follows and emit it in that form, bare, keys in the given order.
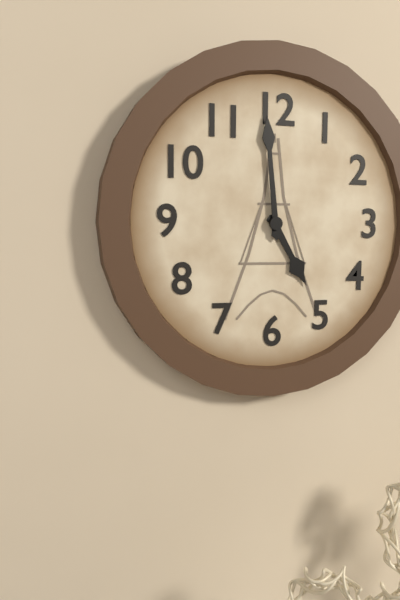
{"hour": 4, "minute": 59}
